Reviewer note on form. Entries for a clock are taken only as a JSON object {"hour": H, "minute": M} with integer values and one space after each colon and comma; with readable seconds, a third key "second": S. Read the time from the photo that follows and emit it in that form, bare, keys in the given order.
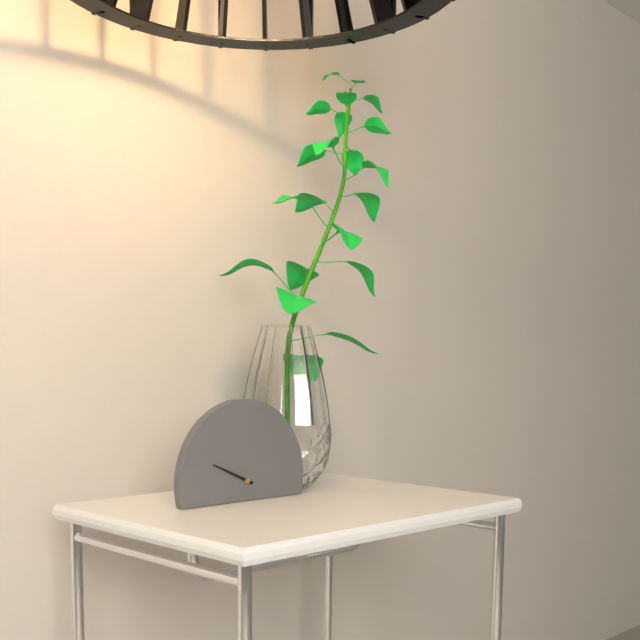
{"hour": 9, "minute": 49}
